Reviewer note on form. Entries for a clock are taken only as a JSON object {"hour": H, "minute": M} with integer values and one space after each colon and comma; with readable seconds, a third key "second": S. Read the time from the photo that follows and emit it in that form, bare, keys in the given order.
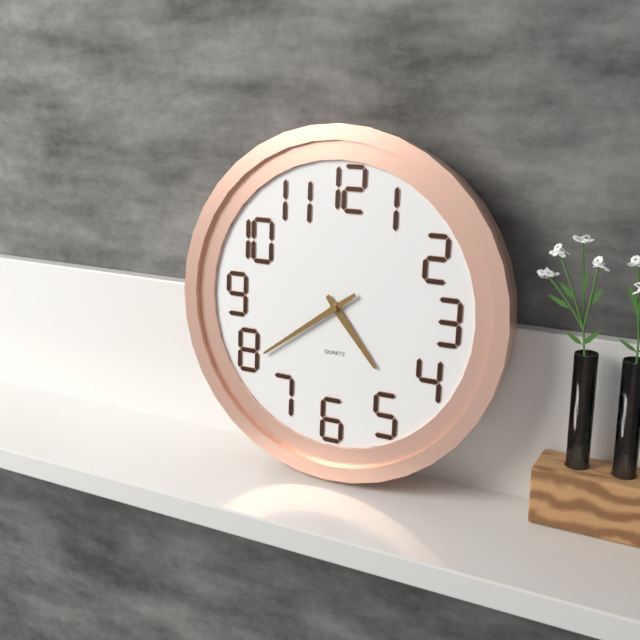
{"hour": 4, "minute": 39}
